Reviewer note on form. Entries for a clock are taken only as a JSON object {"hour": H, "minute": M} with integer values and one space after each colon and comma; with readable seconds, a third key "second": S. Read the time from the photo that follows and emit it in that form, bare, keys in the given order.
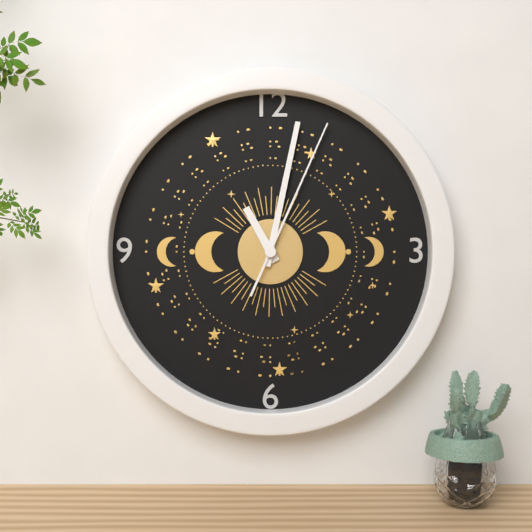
{"hour": 11, "minute": 2, "second": 4}
